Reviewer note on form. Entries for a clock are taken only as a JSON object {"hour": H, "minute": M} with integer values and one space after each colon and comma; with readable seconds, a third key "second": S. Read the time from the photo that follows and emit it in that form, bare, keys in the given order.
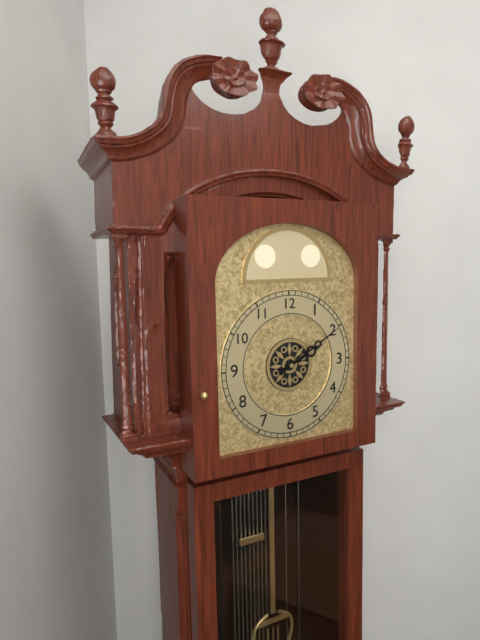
{"hour": 2, "minute": 10}
